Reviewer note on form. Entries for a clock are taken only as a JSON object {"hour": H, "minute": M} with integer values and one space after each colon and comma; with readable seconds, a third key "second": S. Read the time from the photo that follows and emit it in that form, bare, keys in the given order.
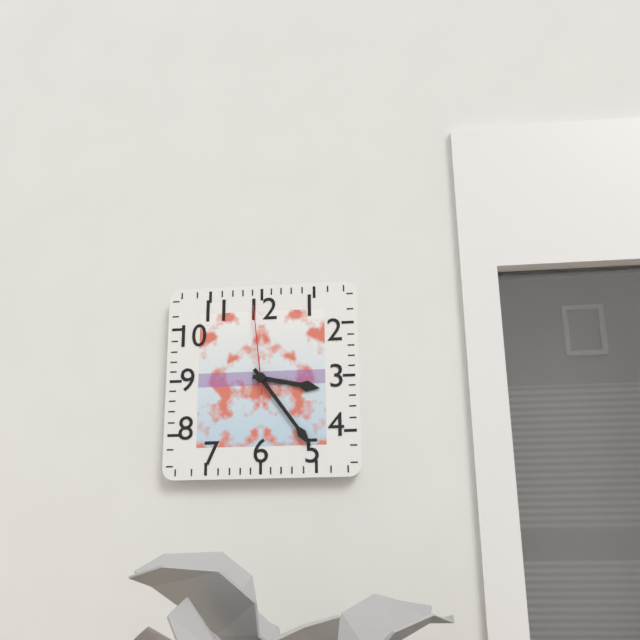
{"hour": 3, "minute": 24, "second": 59}
